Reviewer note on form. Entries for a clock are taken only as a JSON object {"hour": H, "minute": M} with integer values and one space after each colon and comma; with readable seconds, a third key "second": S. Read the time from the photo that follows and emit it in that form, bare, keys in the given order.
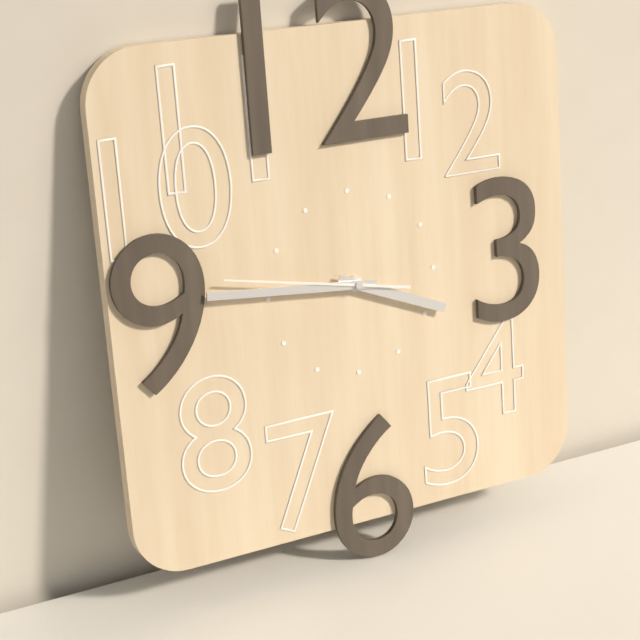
{"hour": 3, "minute": 46, "second": 47}
